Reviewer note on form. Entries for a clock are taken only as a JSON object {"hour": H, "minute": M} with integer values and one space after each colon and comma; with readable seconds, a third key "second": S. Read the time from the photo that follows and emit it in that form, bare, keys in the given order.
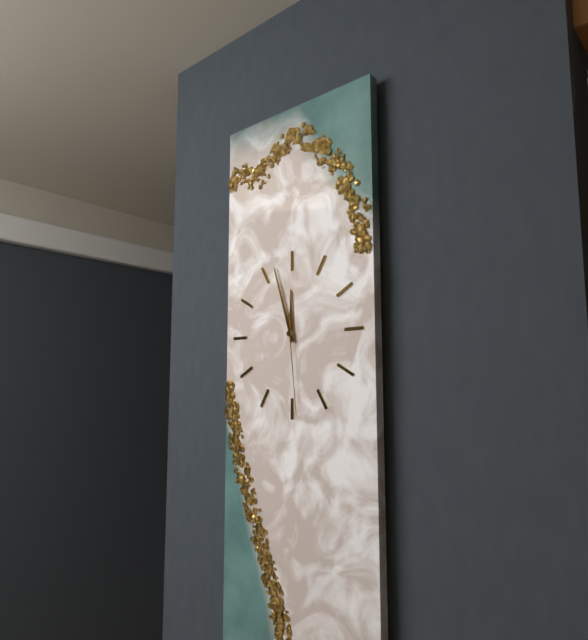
{"hour": 11, "minute": 57, "second": 29}
